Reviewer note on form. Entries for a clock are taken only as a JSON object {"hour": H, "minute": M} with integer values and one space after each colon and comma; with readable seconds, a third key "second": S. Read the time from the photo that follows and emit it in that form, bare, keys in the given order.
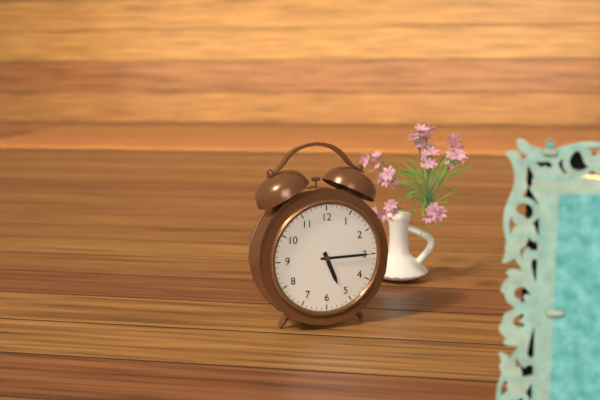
{"hour": 5, "minute": 15}
